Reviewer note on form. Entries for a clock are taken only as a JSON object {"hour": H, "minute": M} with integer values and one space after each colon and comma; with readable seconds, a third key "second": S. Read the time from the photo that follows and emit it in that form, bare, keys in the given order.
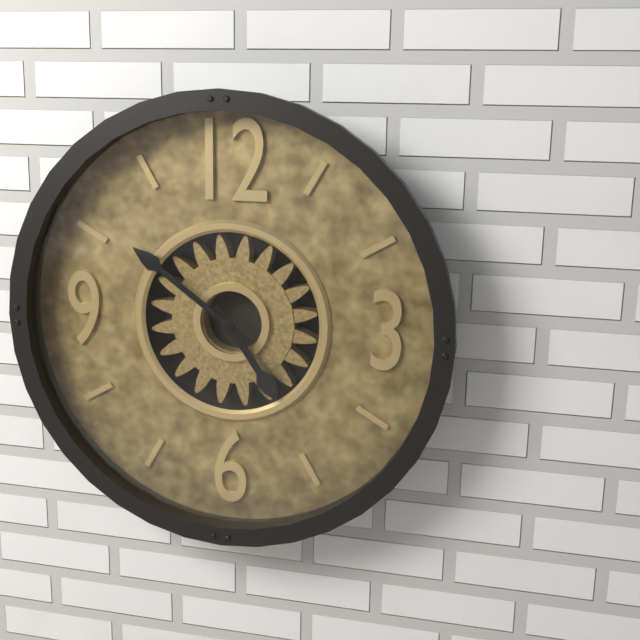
{"hour": 4, "minute": 51}
